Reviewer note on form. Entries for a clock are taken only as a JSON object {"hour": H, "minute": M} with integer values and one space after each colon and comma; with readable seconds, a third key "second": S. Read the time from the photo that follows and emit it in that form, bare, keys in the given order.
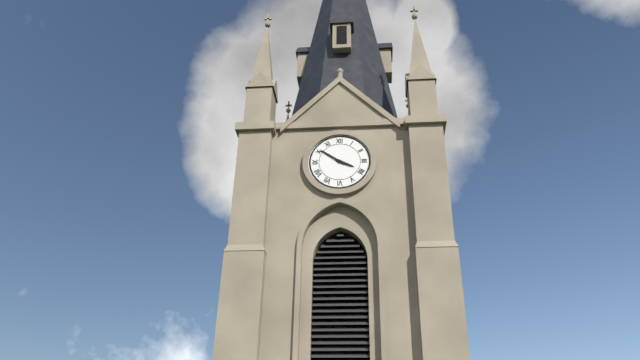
{"hour": 3, "minute": 51}
